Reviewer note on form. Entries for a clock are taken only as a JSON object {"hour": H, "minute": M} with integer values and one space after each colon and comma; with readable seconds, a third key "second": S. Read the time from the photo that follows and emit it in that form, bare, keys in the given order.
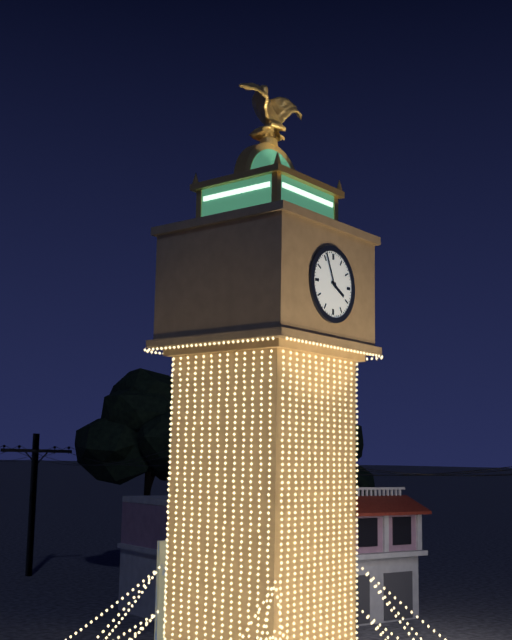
{"hour": 3, "minute": 56}
